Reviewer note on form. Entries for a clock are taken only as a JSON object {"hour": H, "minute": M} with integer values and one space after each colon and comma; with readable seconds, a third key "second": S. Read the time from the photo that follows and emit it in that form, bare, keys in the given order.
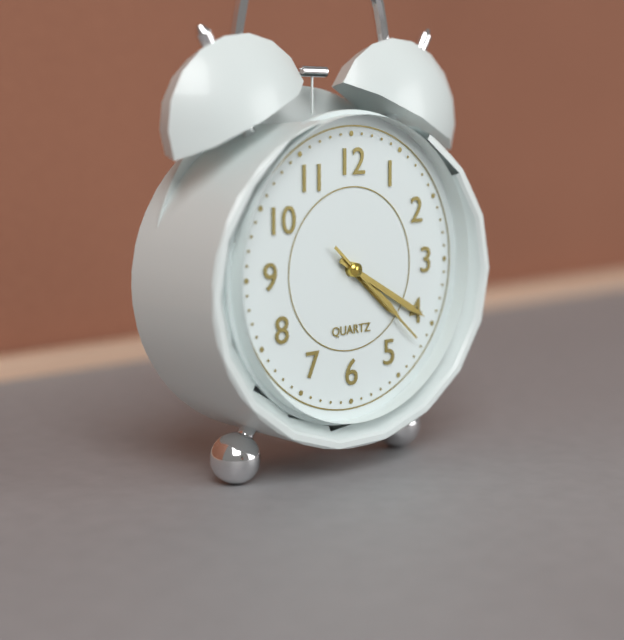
{"hour": 4, "minute": 20, "second": 22}
